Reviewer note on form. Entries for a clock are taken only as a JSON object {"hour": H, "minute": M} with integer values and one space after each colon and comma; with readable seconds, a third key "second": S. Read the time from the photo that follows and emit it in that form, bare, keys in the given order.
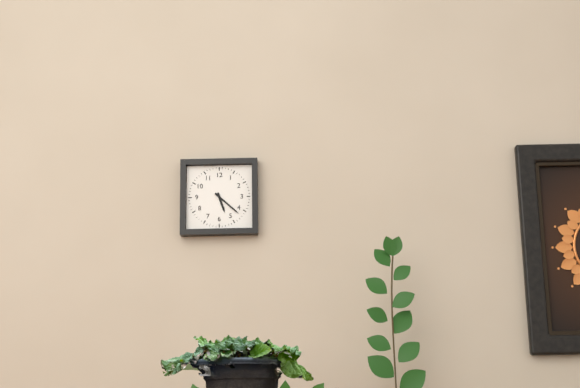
{"hour": 5, "minute": 22}
